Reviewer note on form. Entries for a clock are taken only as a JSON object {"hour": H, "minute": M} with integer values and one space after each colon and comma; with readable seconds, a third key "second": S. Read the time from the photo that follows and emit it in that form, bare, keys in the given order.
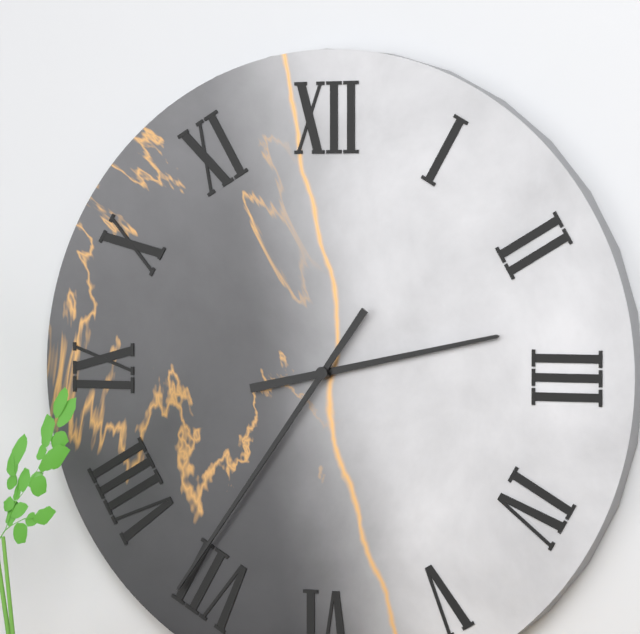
{"hour": 2, "minute": 36}
